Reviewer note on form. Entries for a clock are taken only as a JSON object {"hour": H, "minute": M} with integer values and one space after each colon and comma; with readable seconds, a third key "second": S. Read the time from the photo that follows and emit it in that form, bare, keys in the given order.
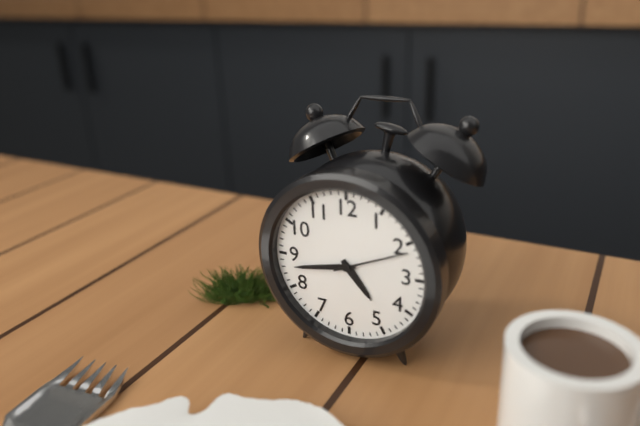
{"hour": 4, "minute": 43}
